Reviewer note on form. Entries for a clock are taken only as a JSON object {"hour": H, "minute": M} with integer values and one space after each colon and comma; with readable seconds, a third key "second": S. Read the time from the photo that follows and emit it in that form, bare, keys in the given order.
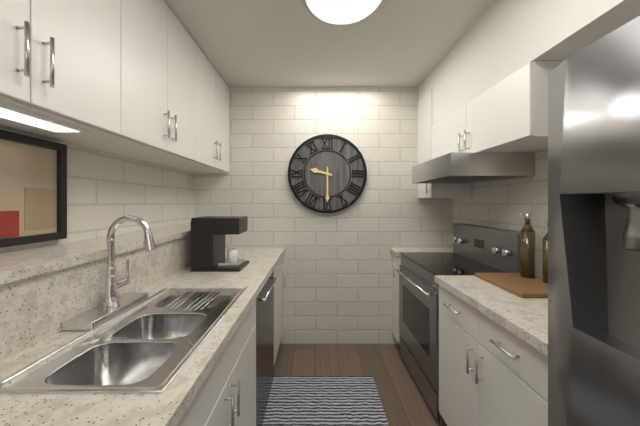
{"hour": 9, "minute": 30}
